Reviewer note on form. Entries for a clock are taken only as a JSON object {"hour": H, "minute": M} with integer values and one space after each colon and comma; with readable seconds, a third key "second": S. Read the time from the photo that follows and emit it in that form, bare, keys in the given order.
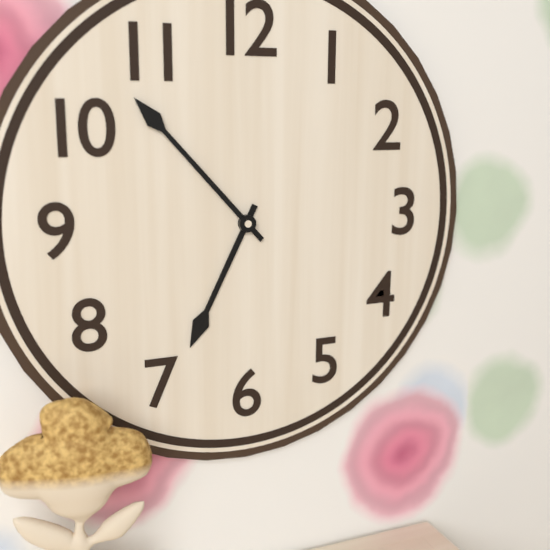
{"hour": 6, "minute": 53}
